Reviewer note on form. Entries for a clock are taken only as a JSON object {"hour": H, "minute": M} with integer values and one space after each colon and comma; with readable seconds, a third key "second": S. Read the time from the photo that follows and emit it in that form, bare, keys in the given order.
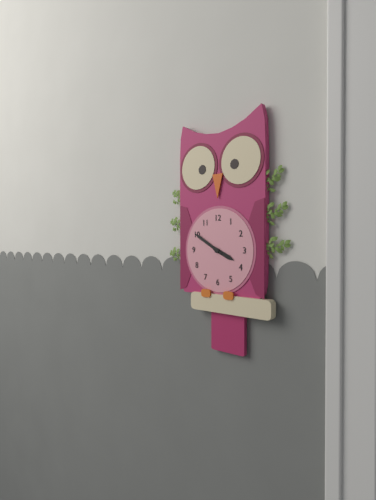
{"hour": 3, "minute": 50}
